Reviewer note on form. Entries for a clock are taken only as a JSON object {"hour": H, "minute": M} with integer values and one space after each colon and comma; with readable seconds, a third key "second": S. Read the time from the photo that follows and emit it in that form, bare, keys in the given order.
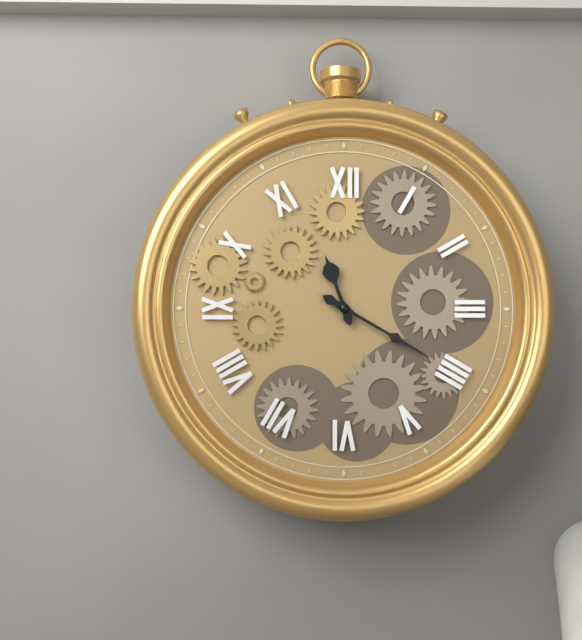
{"hour": 11, "minute": 20}
